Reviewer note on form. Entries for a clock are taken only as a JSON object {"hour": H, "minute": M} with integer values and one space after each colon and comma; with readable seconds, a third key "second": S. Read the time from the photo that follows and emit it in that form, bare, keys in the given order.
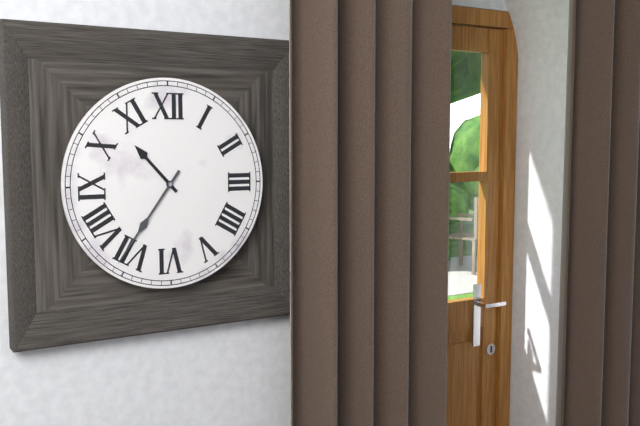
{"hour": 10, "minute": 36}
